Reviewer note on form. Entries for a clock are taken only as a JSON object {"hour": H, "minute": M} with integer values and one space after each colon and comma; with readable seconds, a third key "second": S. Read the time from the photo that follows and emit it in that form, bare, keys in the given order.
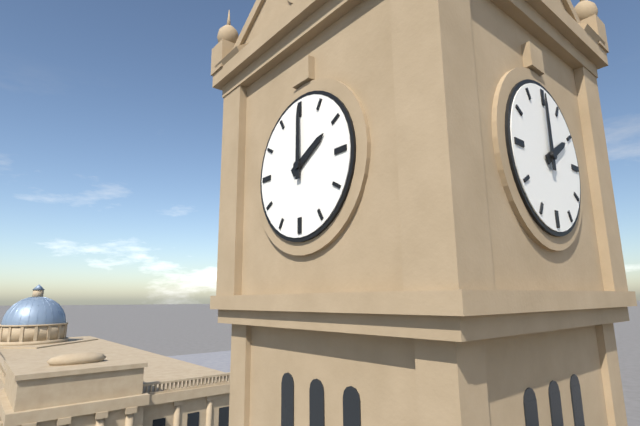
{"hour": 2, "minute": 0}
